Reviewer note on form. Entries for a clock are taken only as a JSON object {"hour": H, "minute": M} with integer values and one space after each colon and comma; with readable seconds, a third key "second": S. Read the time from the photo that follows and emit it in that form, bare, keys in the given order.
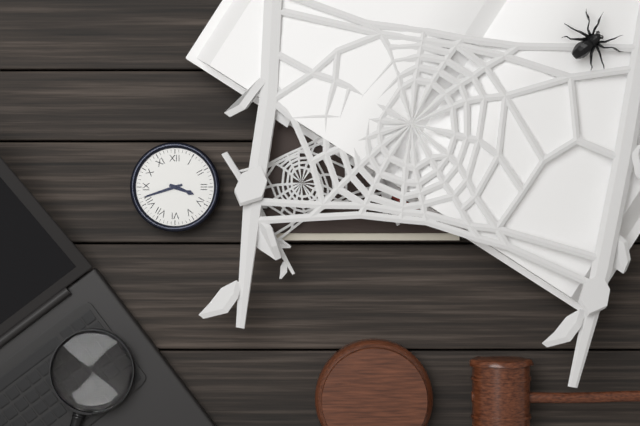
{"hour": 3, "minute": 42}
